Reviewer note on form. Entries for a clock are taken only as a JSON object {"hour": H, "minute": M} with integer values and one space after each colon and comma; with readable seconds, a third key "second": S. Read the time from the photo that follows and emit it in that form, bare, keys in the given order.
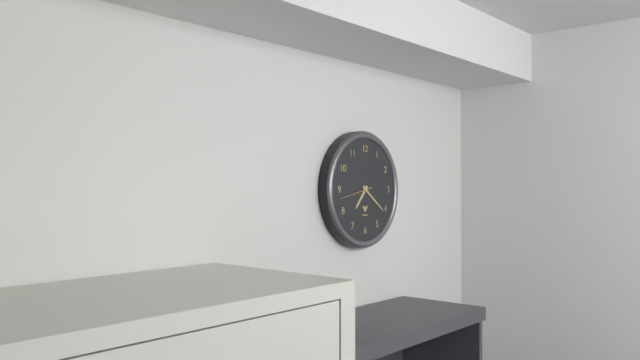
{"hour": 7, "minute": 21}
